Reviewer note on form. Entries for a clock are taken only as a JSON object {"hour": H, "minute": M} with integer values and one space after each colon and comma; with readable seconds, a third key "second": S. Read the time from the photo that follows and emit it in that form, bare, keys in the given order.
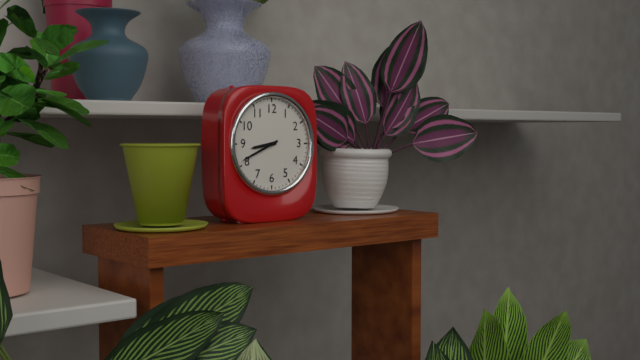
{"hour": 8, "minute": 41}
